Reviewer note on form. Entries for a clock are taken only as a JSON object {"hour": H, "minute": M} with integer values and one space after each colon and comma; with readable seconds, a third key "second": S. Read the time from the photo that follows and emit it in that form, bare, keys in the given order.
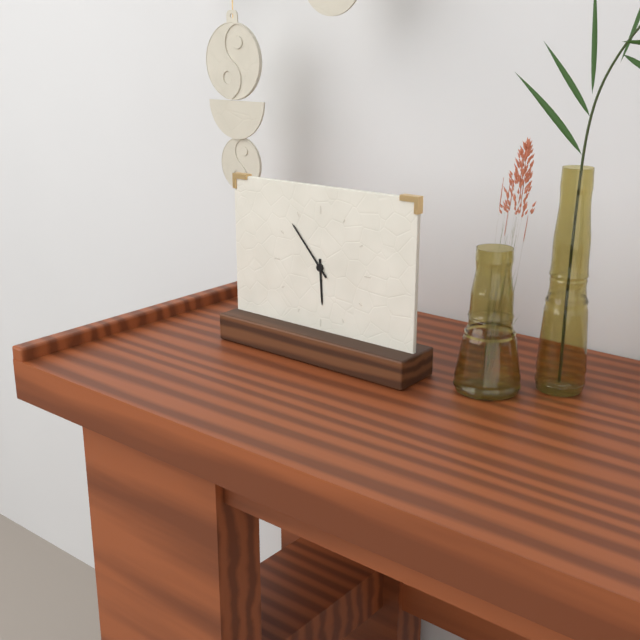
{"hour": 5, "minute": 53}
